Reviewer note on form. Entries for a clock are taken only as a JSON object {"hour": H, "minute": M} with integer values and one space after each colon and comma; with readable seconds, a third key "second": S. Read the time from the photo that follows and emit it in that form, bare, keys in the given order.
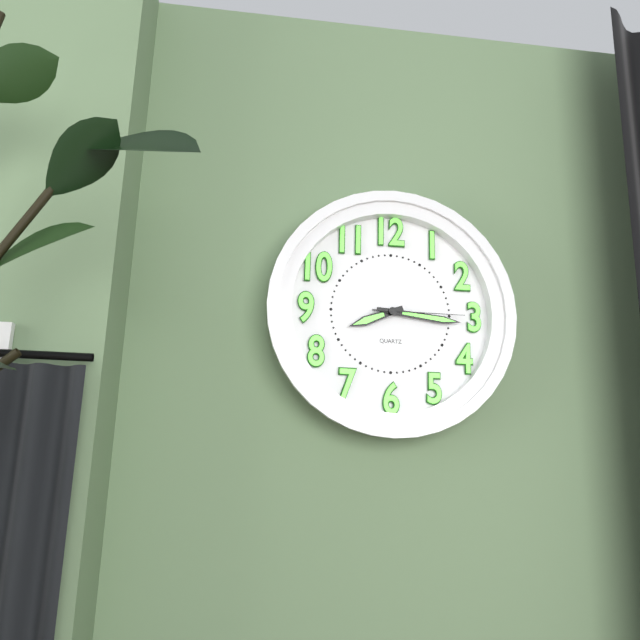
{"hour": 8, "minute": 16, "second": 15}
